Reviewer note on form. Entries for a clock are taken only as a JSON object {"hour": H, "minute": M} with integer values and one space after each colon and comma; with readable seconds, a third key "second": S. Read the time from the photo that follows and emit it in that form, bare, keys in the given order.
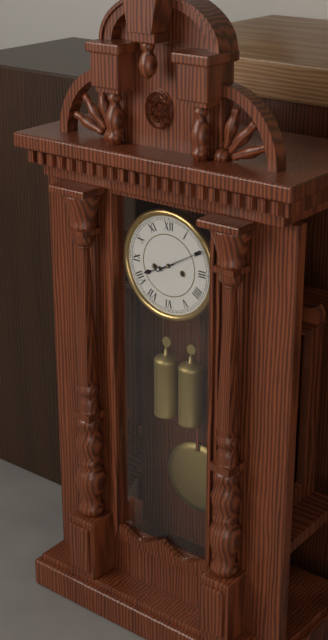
{"hour": 8, "minute": 10}
